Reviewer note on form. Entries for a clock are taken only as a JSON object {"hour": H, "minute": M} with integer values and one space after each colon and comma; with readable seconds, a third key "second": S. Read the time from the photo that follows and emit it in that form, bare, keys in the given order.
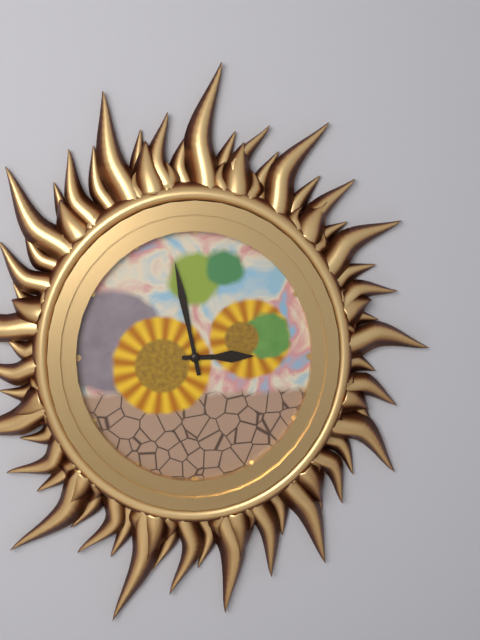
{"hour": 2, "minute": 58}
